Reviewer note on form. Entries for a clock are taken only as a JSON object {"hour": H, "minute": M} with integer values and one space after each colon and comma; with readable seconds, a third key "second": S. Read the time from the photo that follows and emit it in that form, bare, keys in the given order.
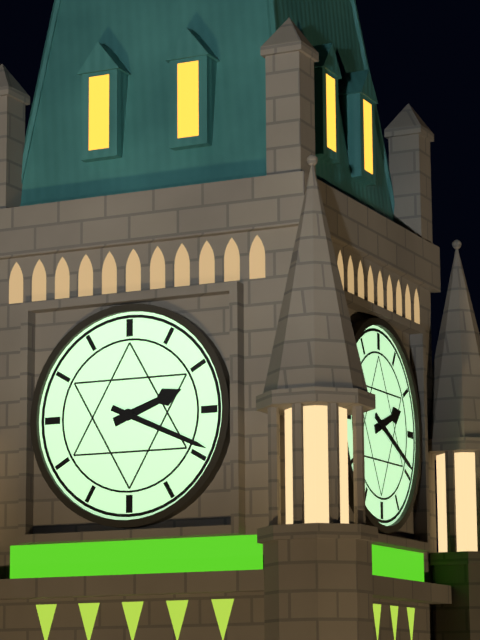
{"hour": 2, "minute": 19}
